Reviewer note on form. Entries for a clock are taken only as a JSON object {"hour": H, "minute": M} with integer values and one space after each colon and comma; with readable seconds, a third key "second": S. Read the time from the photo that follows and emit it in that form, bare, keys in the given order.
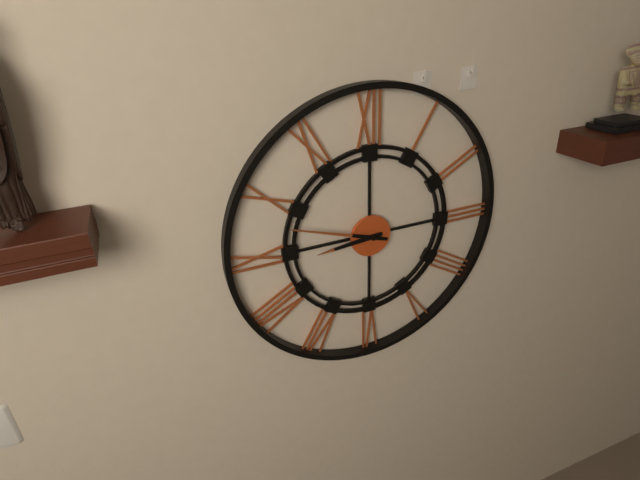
{"hour": 8, "minute": 48}
